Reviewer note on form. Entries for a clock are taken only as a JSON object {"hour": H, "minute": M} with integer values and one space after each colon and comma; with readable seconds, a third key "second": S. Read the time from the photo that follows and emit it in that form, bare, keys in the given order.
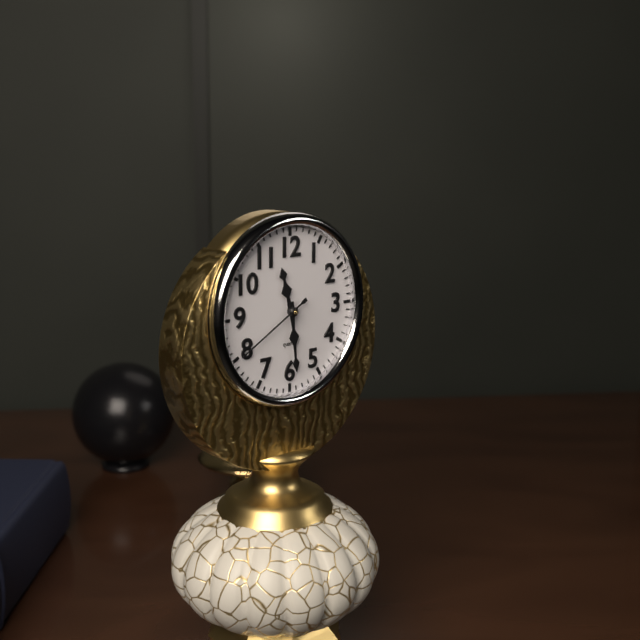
{"hour": 11, "minute": 29, "second": 40}
